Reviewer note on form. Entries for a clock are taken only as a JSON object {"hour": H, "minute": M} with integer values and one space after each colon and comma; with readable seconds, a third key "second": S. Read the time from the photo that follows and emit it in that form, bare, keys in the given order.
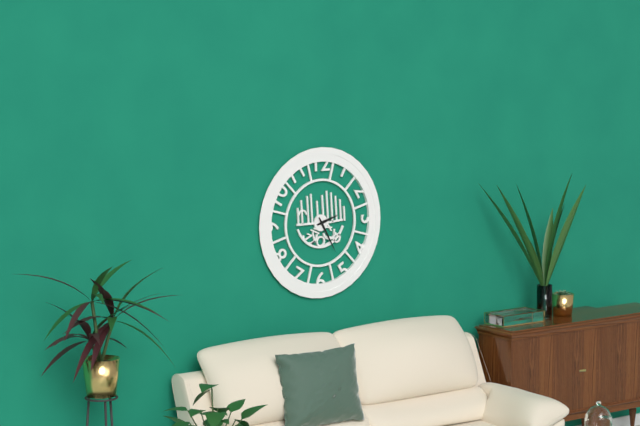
{"hour": 2, "minute": 25}
